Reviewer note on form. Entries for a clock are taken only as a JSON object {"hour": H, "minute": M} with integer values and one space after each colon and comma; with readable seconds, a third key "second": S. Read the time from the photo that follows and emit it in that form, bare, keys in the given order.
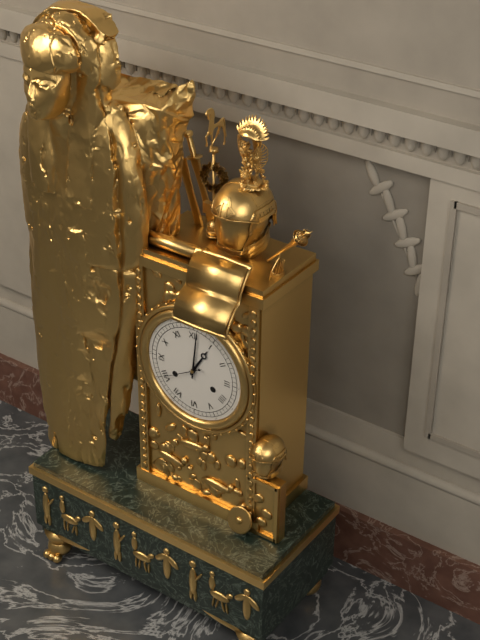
{"hour": 1, "minute": 1, "second": 40}
